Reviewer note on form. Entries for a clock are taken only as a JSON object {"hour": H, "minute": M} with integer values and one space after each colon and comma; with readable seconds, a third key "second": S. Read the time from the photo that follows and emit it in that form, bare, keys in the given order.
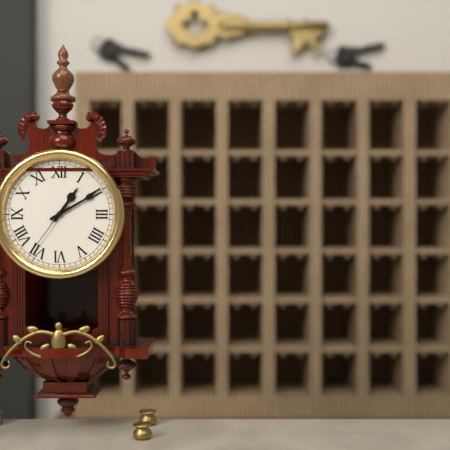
{"hour": 1, "minute": 10, "second": 36}
